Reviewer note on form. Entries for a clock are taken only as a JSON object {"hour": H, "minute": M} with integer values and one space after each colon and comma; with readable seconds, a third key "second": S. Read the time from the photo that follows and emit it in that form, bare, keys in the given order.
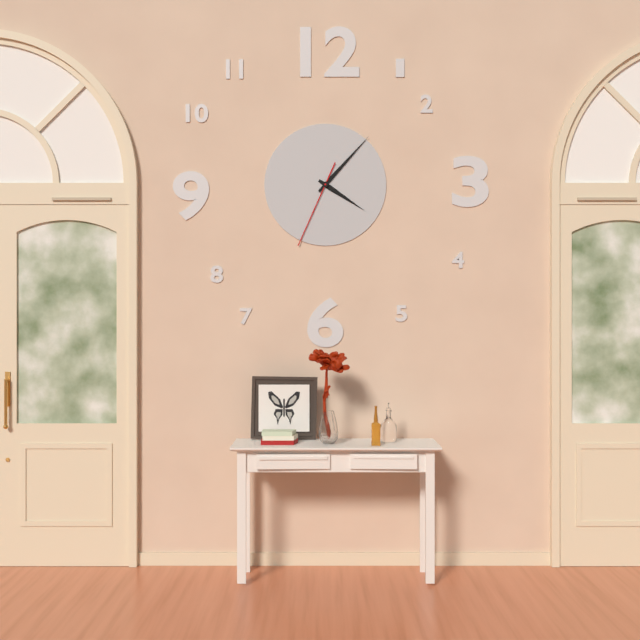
{"hour": 4, "minute": 7, "second": 34}
